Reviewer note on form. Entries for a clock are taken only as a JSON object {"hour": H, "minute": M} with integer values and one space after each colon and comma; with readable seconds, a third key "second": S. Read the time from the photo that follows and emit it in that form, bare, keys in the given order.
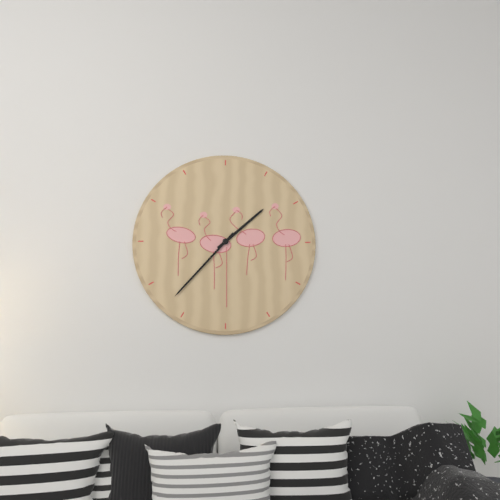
{"hour": 1, "minute": 37}
